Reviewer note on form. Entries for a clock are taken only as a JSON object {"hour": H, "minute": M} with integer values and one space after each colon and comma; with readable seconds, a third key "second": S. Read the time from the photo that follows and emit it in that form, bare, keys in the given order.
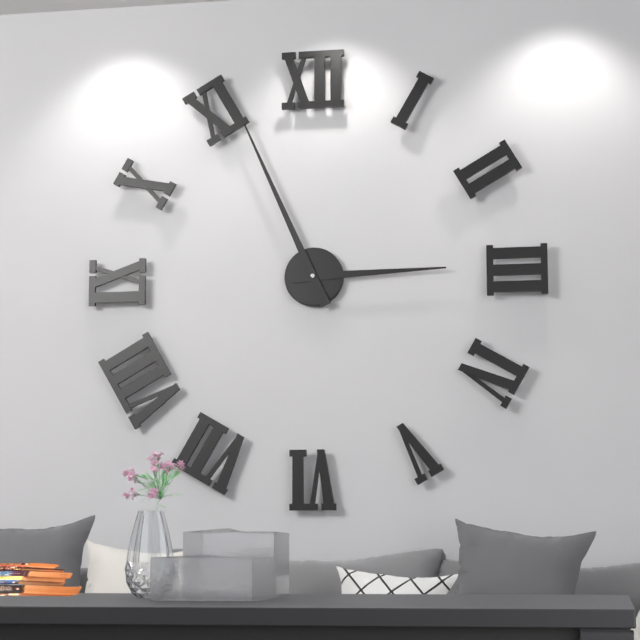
{"hour": 2, "minute": 56}
